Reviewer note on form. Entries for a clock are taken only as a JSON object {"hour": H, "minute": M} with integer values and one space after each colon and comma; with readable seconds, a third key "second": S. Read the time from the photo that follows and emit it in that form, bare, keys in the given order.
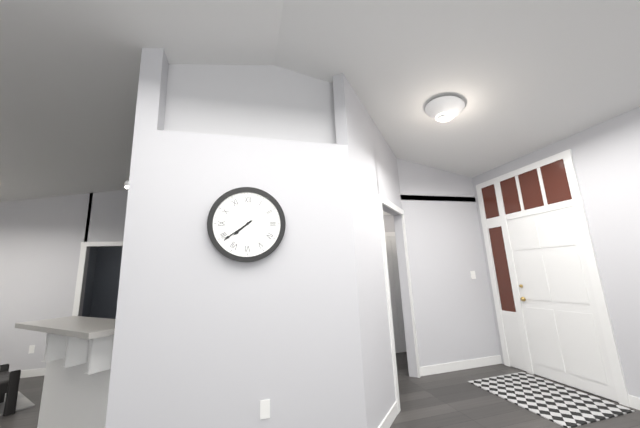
{"hour": 7, "minute": 39}
